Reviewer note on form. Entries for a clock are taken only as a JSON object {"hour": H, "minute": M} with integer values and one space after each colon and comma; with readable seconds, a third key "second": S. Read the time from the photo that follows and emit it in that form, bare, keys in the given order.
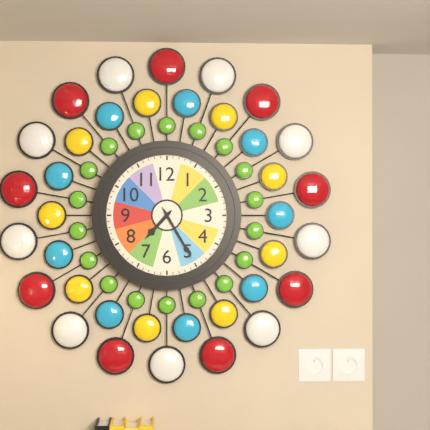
{"hour": 7, "minute": 25}
